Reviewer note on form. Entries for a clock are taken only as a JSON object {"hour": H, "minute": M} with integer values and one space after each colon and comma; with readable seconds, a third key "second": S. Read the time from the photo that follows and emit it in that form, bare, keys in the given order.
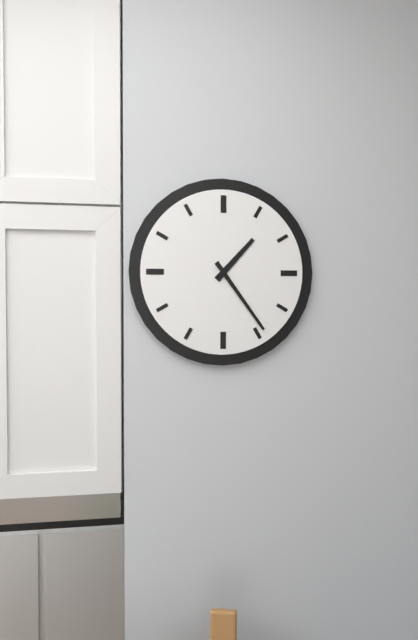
{"hour": 1, "minute": 24}
